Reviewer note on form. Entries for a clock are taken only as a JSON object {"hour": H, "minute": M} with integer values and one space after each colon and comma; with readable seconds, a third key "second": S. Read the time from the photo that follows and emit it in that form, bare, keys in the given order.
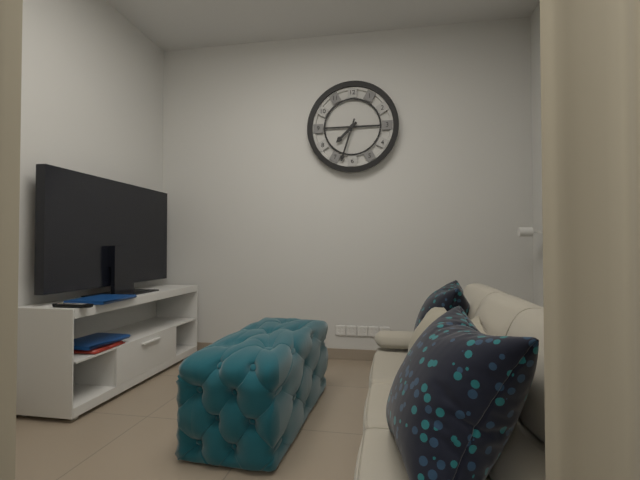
{"hour": 7, "minute": 33}
